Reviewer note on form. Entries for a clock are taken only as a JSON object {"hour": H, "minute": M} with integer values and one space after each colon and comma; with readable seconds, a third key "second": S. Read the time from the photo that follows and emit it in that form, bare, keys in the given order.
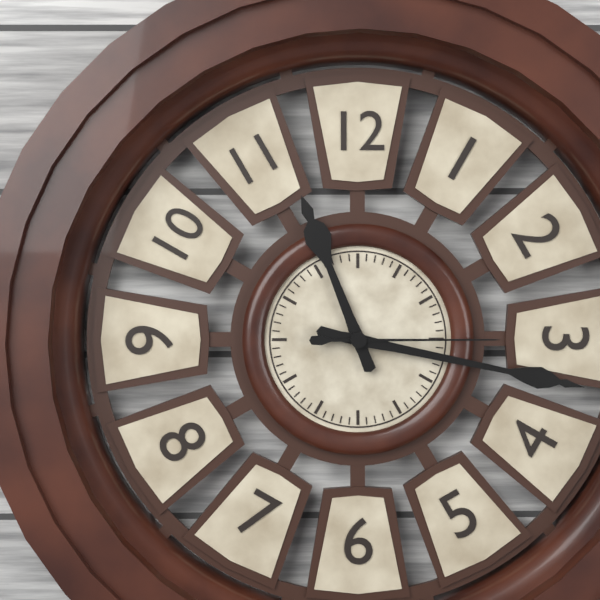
{"hour": 11, "minute": 17, "second": 15}
